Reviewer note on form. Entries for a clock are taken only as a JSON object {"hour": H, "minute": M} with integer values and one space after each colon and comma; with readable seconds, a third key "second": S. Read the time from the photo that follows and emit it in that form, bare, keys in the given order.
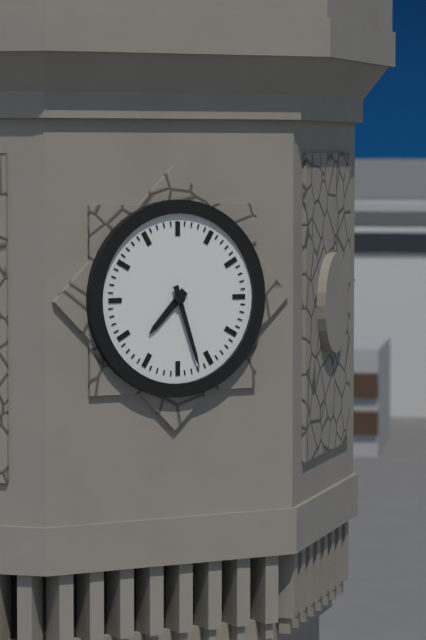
{"hour": 7, "minute": 27}
